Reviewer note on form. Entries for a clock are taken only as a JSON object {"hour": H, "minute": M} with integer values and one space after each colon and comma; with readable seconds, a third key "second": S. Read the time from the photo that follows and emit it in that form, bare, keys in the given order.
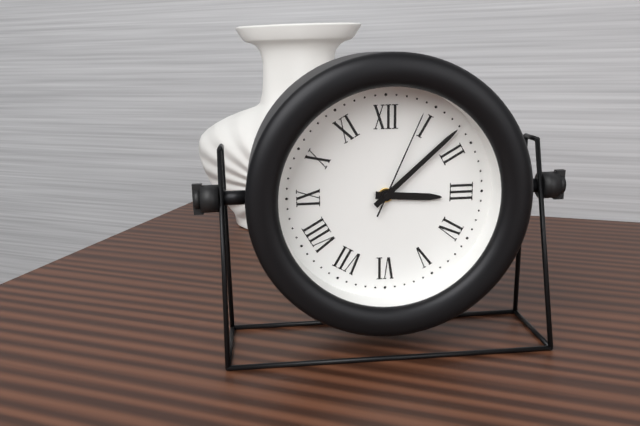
{"hour": 3, "minute": 8, "second": 4}
